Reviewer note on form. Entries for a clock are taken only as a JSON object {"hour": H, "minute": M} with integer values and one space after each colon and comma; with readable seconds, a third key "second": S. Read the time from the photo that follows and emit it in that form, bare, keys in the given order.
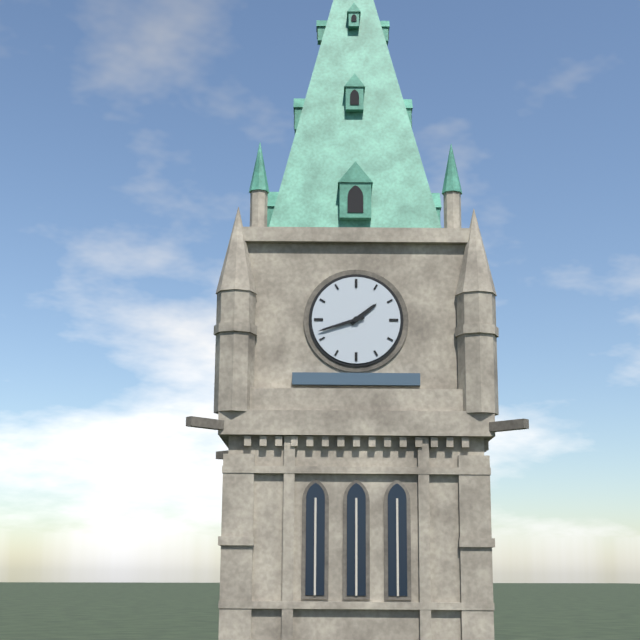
{"hour": 1, "minute": 42}
